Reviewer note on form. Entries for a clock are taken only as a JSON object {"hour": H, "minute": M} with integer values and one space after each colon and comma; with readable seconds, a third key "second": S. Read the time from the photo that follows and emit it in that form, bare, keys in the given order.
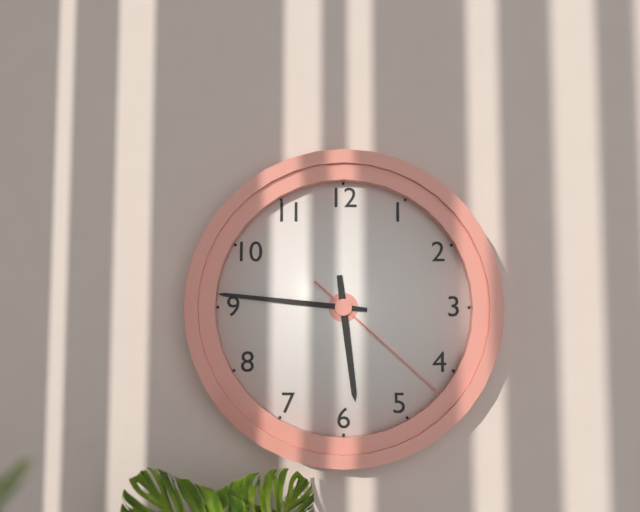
{"hour": 5, "minute": 46, "second": 22}
